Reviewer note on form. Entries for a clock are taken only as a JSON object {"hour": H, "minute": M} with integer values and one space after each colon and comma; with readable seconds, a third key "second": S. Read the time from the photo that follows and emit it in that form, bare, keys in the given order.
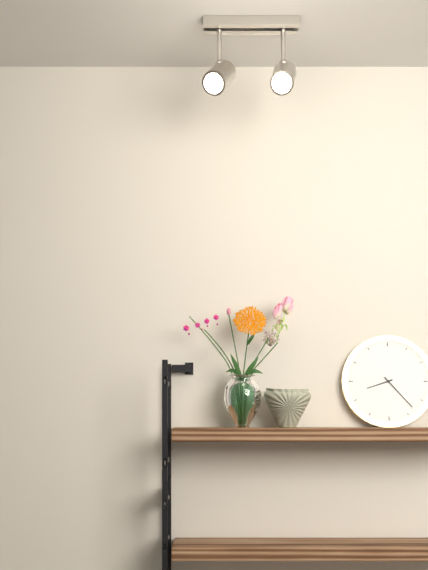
{"hour": 8, "minute": 23}
